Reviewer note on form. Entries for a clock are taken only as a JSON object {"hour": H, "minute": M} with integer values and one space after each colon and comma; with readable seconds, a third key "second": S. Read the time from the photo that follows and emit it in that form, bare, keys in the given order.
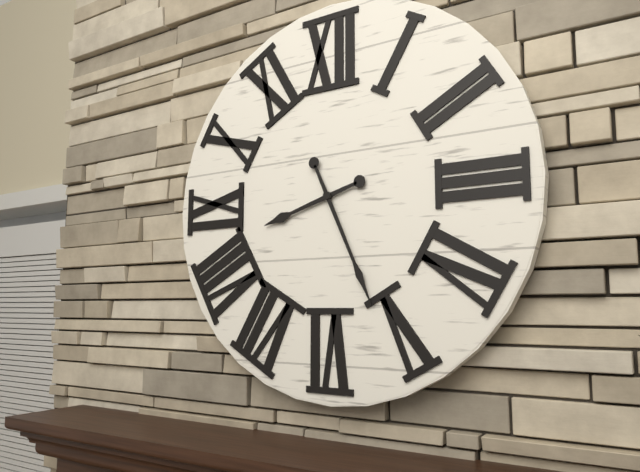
{"hour": 8, "minute": 26}
